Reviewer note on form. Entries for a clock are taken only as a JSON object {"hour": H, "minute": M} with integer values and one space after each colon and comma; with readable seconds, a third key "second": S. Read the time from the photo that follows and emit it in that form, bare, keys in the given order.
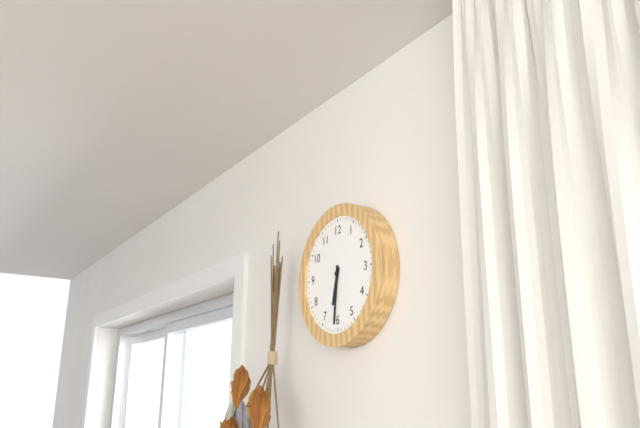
{"hour": 6, "minute": 31}
